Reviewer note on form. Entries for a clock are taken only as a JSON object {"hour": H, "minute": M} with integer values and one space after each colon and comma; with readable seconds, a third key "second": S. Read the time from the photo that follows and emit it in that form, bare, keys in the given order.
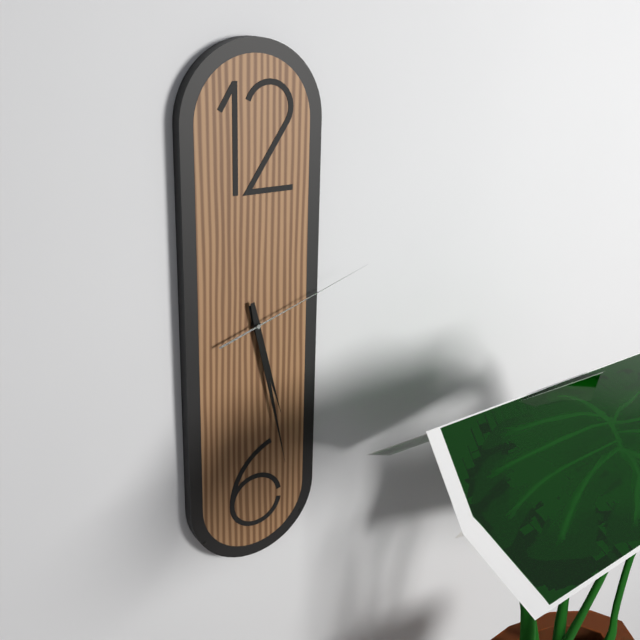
{"hour": 5, "minute": 28, "second": 12}
